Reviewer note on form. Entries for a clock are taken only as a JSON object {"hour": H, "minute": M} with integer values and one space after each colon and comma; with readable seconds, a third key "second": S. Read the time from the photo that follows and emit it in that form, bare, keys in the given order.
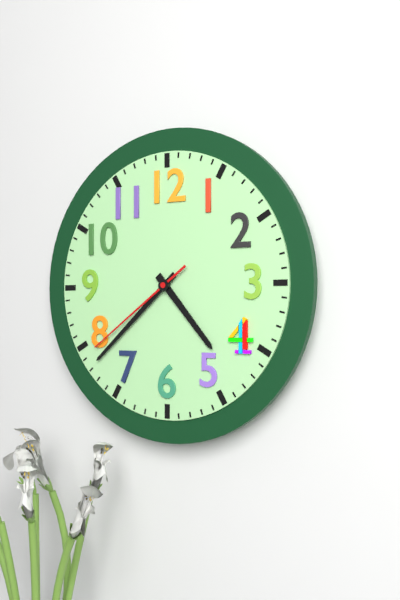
{"hour": 4, "minute": 38, "second": 39}
